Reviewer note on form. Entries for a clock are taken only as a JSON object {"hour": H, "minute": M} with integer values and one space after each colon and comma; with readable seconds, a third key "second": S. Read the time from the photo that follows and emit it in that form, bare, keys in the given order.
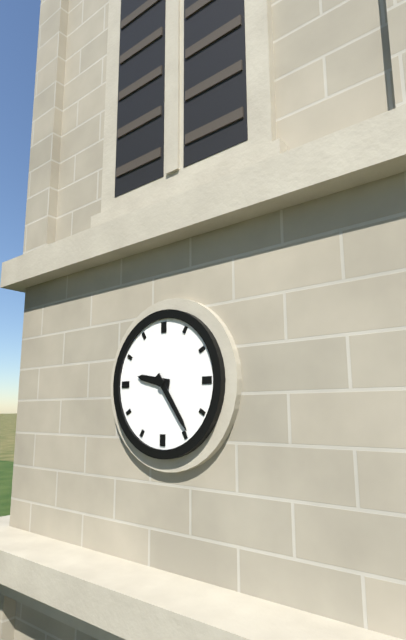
{"hour": 9, "minute": 24}
